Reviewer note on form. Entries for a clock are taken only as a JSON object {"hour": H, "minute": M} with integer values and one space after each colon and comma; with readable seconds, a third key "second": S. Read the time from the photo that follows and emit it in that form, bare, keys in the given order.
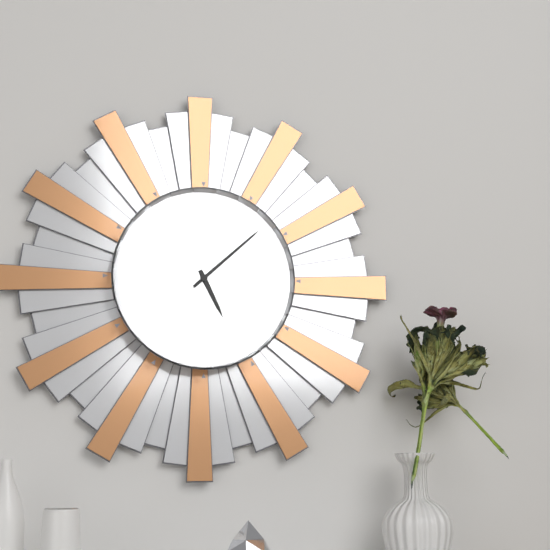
{"hour": 5, "minute": 8}
